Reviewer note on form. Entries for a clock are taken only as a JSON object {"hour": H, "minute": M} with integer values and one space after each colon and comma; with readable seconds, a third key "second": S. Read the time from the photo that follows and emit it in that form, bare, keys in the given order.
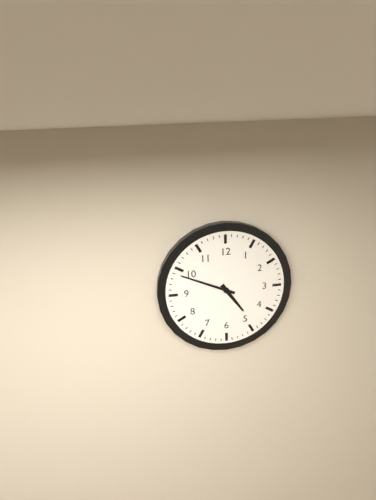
{"hour": 4, "minute": 49}
